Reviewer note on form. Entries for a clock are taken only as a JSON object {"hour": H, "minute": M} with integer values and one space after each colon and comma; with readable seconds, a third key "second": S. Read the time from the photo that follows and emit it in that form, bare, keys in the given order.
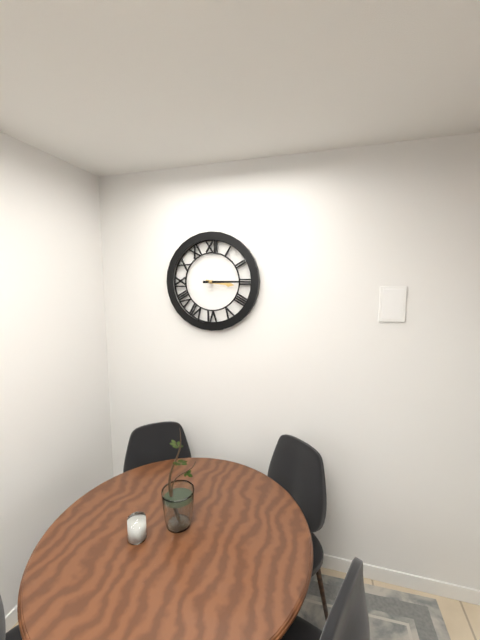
{"hour": 3, "minute": 15}
